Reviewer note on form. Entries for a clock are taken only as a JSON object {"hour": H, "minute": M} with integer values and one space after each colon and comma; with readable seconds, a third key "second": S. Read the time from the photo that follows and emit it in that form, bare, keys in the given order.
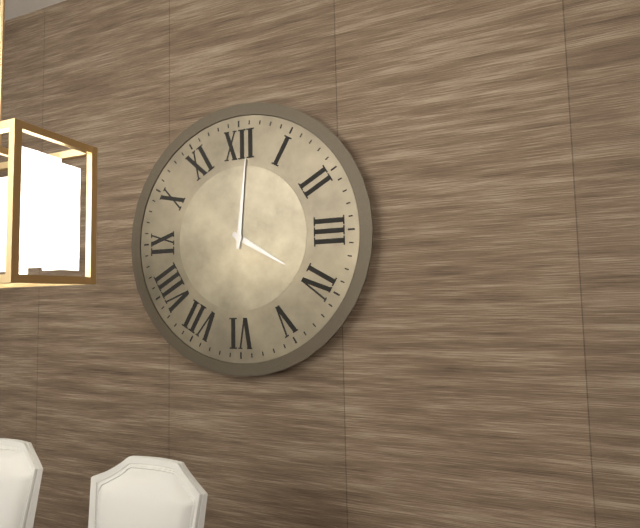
{"hour": 4, "minute": 1}
